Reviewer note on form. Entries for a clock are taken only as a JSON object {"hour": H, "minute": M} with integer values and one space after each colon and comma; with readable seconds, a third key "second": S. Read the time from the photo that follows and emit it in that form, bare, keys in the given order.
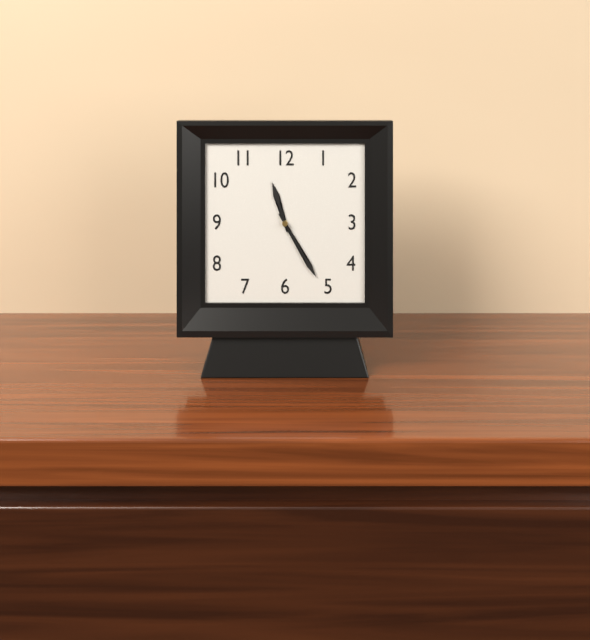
{"hour": 11, "minute": 25}
